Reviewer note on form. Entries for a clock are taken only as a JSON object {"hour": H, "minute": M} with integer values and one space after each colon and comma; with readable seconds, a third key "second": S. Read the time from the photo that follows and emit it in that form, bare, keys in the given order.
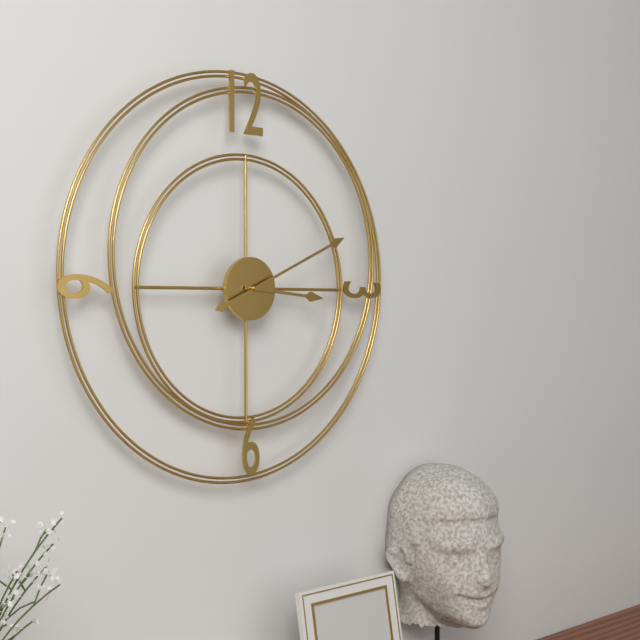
{"hour": 3, "minute": 11}
